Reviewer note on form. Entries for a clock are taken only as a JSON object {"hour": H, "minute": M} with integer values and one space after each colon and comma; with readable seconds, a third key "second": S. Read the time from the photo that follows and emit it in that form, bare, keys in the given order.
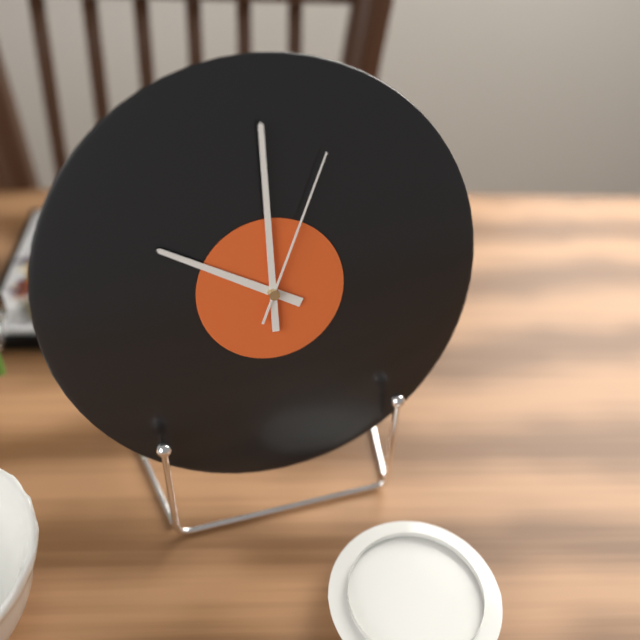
{"hour": 10, "minute": 0, "second": 4}
